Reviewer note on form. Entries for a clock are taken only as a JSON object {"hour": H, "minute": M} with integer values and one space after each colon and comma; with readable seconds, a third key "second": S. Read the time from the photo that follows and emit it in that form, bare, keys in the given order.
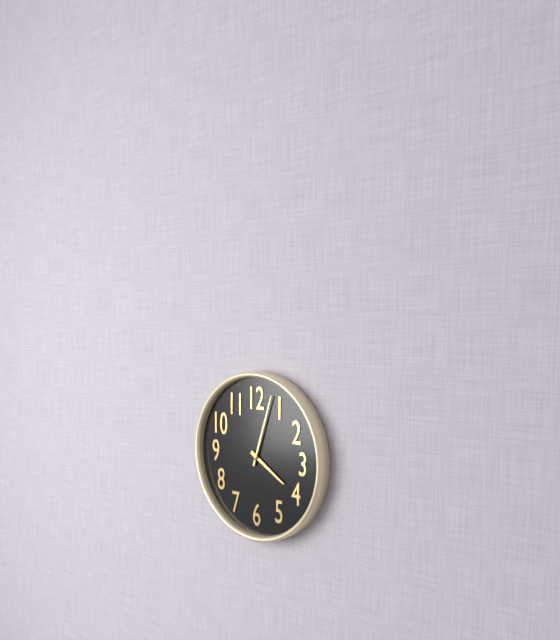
{"hour": 4, "minute": 3}
